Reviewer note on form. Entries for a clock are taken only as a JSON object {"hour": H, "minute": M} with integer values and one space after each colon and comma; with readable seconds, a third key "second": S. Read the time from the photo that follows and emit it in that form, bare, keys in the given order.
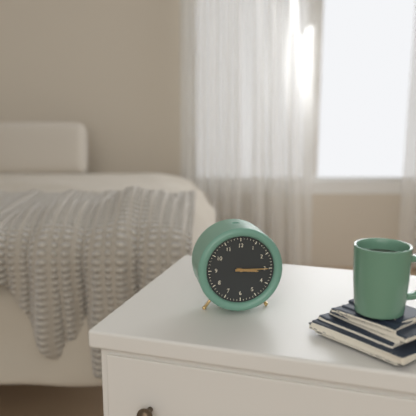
{"hour": 3, "minute": 15}
